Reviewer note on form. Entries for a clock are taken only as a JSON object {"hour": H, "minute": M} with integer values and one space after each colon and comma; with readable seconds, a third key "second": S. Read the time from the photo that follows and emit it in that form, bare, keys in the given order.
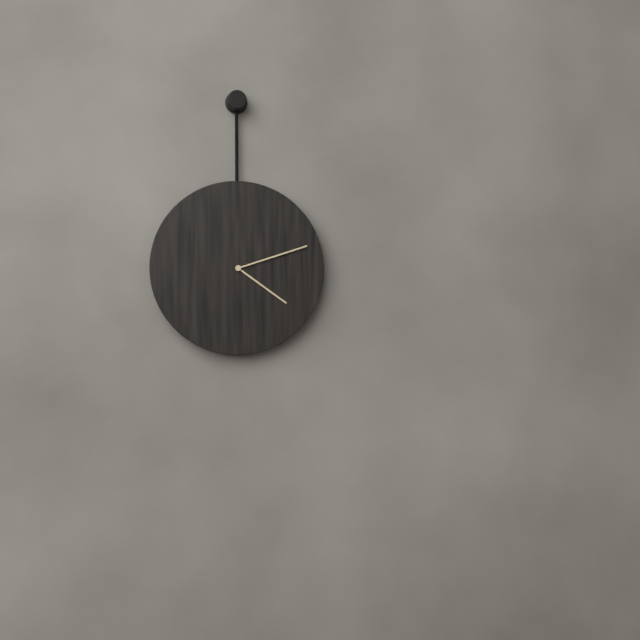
{"hour": 4, "minute": 12}
